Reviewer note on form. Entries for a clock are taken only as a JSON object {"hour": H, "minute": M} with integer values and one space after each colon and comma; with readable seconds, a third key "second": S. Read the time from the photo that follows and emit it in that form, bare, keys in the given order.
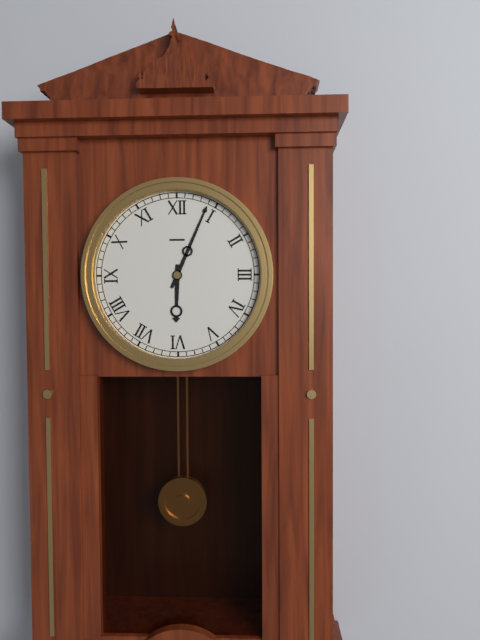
{"hour": 6, "minute": 4}
